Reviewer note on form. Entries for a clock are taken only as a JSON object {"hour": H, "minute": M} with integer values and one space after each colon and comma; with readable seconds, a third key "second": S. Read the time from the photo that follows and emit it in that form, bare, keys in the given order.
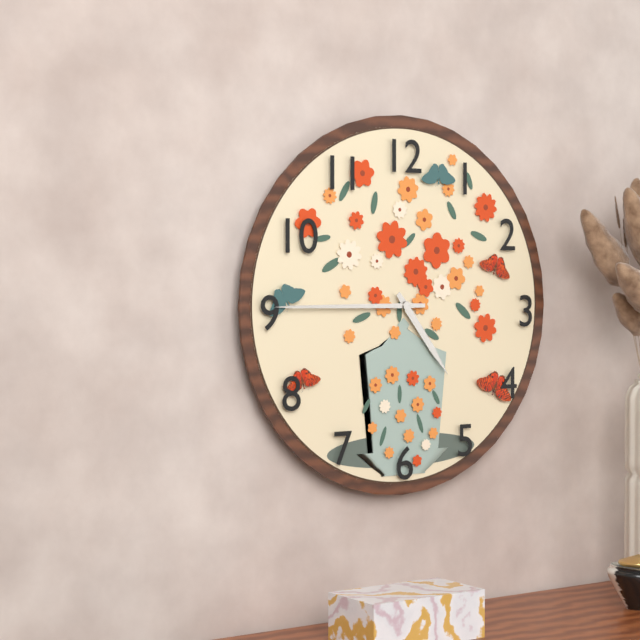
{"hour": 4, "minute": 45}
